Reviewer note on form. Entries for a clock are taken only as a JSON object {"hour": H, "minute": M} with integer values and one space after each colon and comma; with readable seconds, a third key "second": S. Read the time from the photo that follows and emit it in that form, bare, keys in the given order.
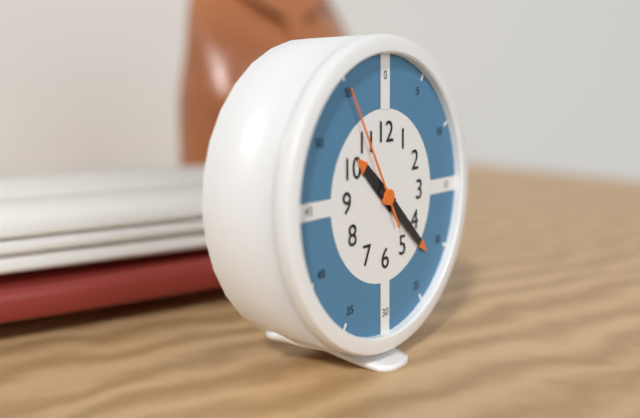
{"hour": 10, "minute": 22, "second": 55}
